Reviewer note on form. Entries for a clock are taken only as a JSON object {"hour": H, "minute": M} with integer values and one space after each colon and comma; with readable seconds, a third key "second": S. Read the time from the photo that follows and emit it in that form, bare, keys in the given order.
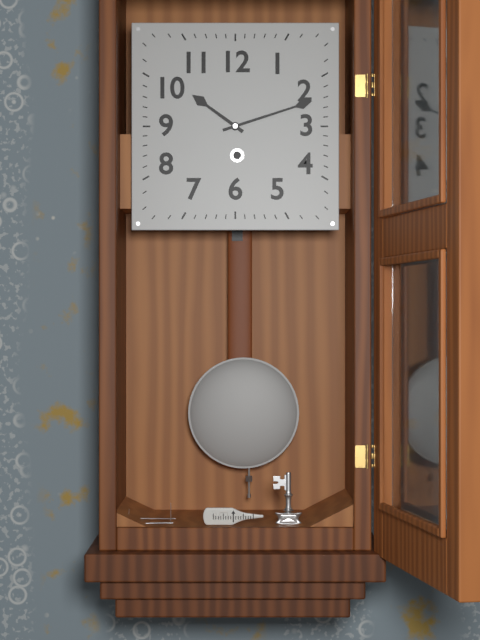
{"hour": 10, "minute": 12}
